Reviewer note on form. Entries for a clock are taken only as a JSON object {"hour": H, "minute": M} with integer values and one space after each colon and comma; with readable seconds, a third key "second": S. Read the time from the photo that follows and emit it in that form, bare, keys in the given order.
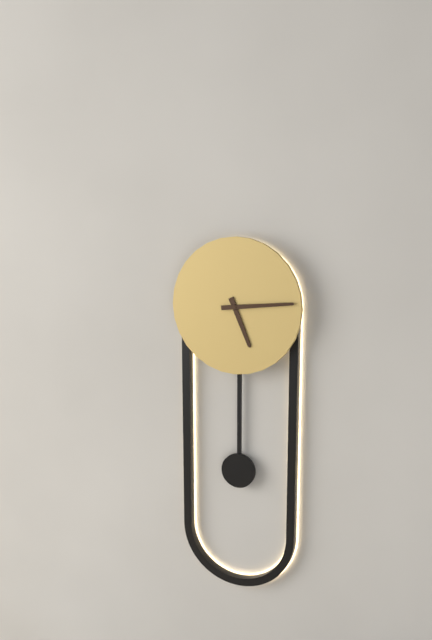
{"hour": 5, "minute": 14}
